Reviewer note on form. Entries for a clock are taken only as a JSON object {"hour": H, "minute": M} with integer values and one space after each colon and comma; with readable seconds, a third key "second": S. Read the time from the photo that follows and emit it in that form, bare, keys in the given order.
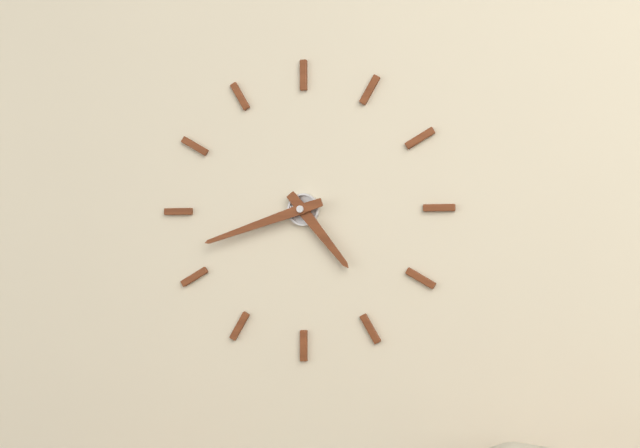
{"hour": 4, "minute": 42}
